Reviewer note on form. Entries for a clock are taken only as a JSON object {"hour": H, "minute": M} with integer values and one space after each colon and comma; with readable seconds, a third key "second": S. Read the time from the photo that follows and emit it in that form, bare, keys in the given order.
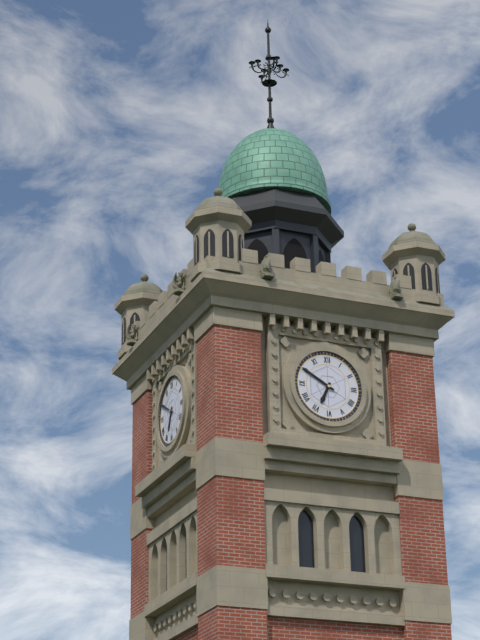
{"hour": 6, "minute": 50}
